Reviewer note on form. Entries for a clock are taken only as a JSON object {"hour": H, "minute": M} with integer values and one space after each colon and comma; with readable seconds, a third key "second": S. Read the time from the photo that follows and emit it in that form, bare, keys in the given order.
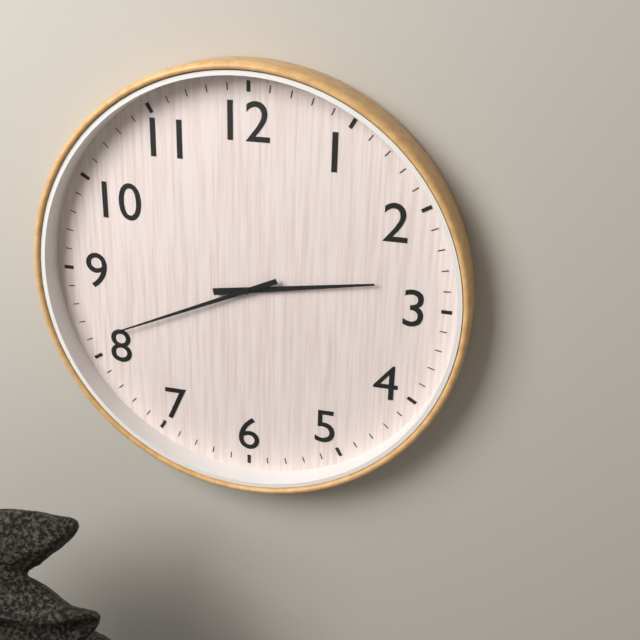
{"hour": 2, "minute": 41}
